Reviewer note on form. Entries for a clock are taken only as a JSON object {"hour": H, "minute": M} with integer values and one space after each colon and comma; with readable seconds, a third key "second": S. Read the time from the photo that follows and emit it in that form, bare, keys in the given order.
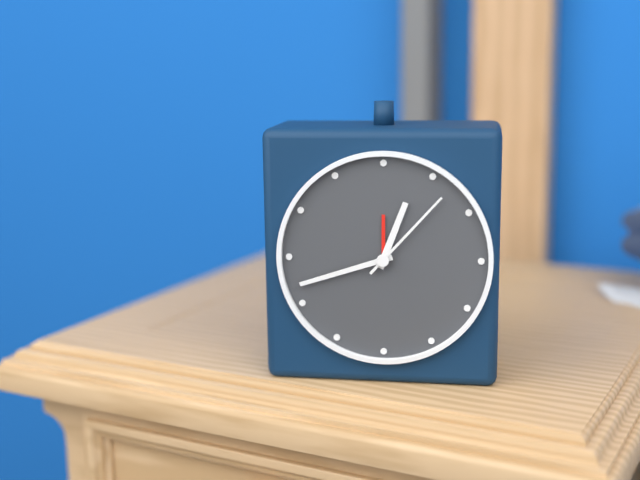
{"hour": 12, "minute": 42, "second": 7}
